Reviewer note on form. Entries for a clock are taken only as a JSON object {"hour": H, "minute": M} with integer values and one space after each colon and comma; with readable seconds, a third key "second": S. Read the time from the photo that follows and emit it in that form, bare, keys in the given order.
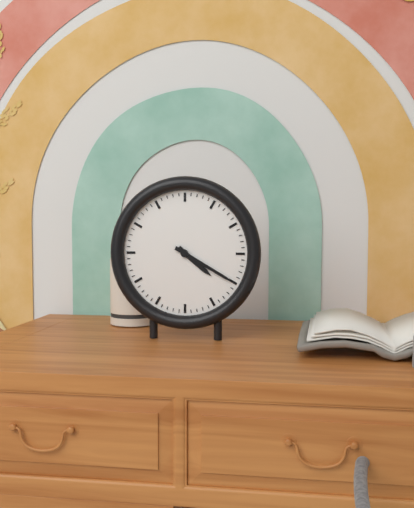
{"hour": 4, "minute": 20}
